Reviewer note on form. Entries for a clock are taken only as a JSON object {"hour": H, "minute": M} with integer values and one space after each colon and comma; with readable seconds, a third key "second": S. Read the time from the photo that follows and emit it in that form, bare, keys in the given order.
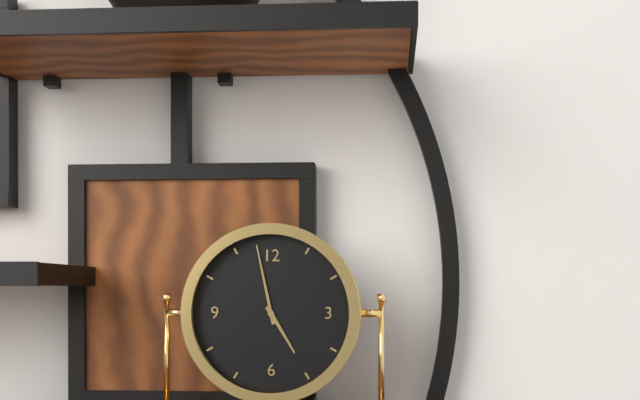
{"hour": 4, "minute": 58}
